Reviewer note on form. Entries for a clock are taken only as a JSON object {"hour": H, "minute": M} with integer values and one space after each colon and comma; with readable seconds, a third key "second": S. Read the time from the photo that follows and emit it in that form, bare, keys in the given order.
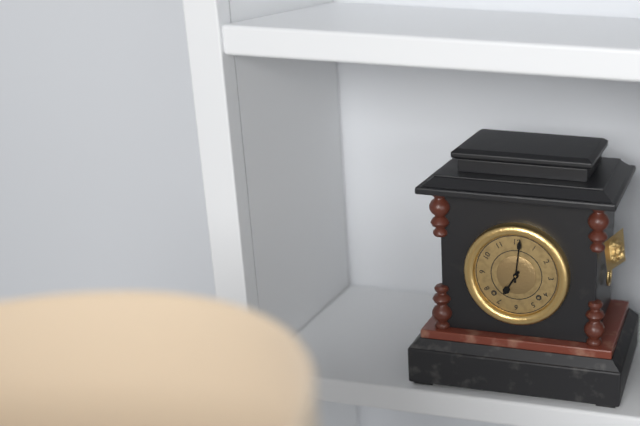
{"hour": 7, "minute": 1}
